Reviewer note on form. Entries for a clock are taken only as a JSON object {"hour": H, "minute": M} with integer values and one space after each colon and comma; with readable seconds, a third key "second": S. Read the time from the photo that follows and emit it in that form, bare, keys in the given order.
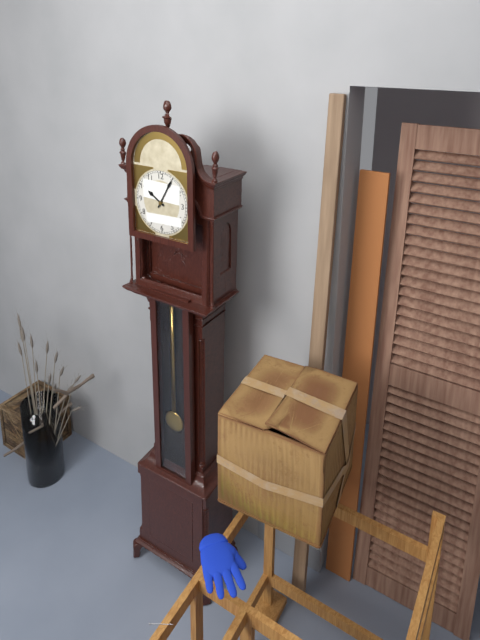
{"hour": 10, "minute": 5}
